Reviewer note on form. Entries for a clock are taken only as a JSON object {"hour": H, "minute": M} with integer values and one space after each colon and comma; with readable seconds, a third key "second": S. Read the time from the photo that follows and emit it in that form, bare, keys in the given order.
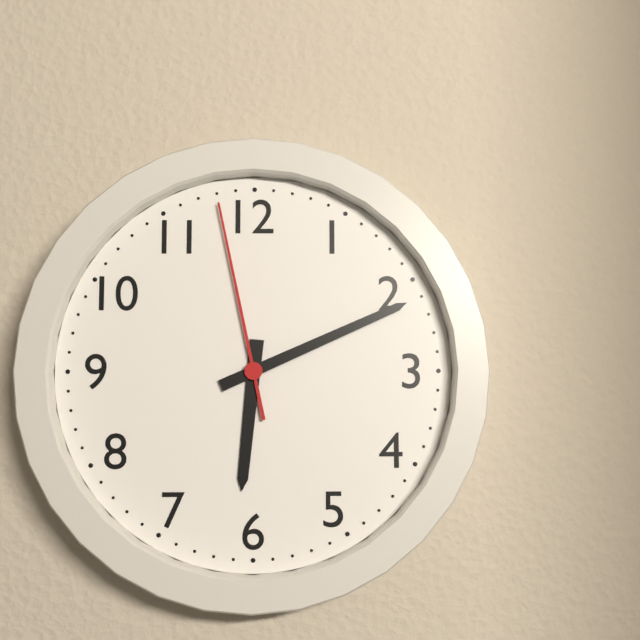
{"hour": 6, "minute": 11, "second": 58}
